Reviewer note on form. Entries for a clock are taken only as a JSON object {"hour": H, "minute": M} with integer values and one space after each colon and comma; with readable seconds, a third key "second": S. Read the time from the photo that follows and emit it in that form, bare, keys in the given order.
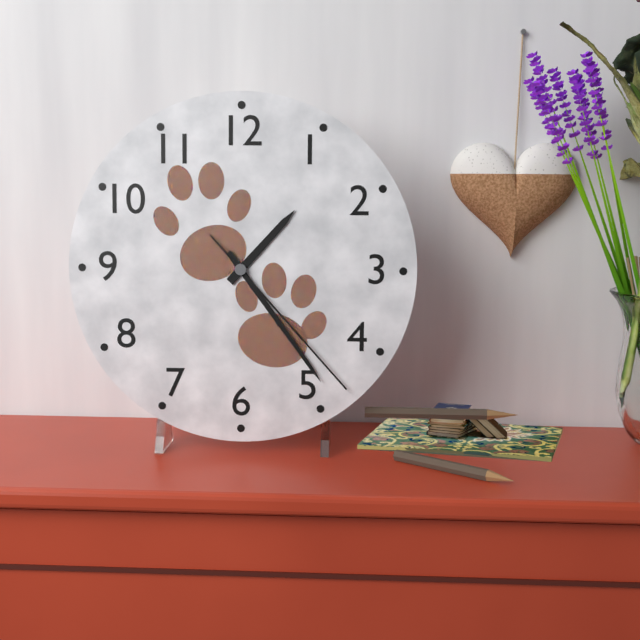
{"hour": 1, "minute": 24, "second": 23}
